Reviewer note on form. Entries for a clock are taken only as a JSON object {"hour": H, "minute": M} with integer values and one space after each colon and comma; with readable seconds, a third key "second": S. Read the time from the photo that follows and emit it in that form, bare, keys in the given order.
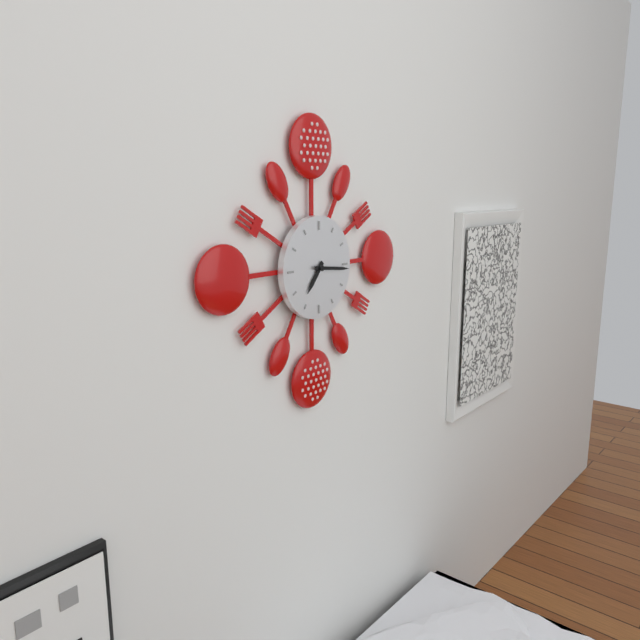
{"hour": 7, "minute": 16}
